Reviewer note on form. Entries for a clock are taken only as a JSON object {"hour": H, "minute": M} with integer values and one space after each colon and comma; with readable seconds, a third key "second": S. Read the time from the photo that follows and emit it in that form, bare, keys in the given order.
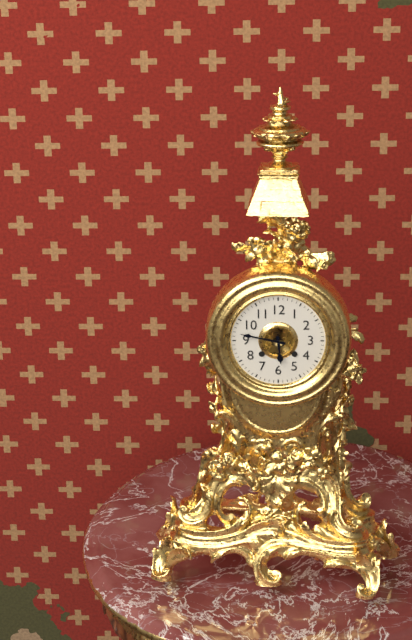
{"hour": 5, "minute": 47}
